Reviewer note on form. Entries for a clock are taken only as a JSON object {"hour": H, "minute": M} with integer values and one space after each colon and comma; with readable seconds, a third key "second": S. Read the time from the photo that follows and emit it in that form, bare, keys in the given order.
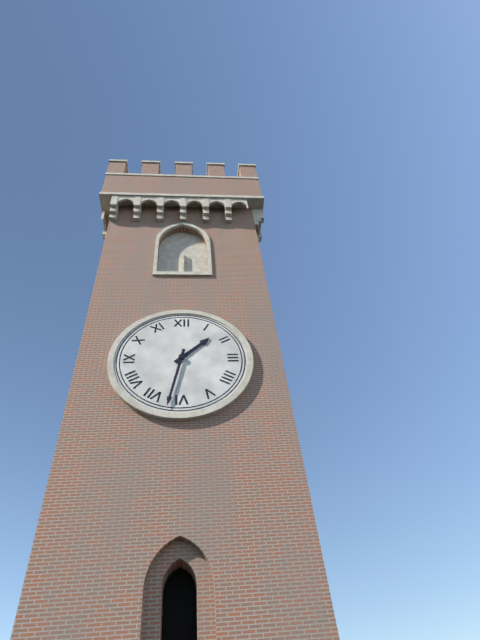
{"hour": 1, "minute": 32}
